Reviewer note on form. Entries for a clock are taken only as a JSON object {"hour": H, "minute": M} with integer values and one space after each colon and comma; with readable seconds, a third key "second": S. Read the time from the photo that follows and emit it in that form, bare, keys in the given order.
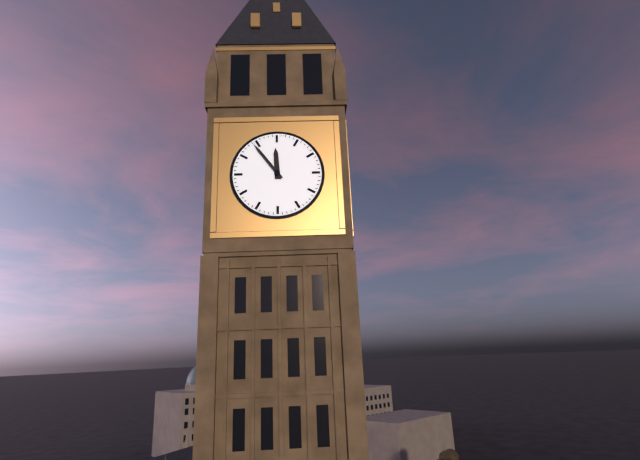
{"hour": 11, "minute": 54}
